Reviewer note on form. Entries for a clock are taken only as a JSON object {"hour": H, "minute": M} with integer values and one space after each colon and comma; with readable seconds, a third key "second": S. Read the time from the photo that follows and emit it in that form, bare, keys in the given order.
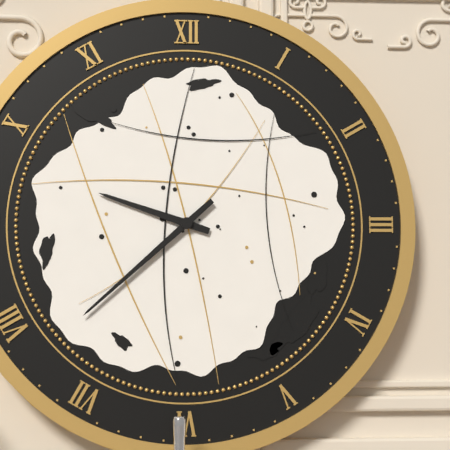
{"hour": 9, "minute": 38}
